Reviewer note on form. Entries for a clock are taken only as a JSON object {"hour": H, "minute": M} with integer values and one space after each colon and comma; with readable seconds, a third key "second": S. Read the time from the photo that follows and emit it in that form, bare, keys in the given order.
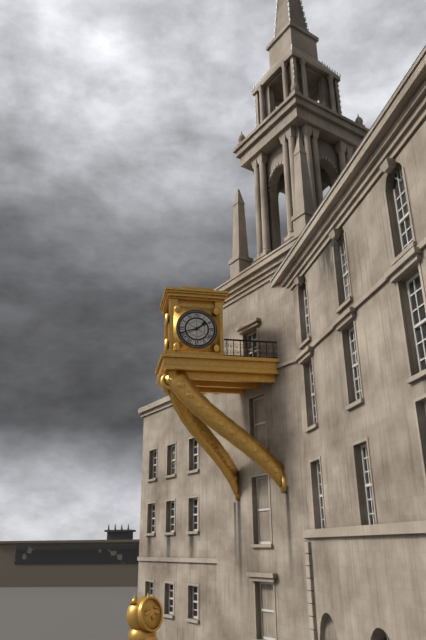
{"hour": 1, "minute": 42}
